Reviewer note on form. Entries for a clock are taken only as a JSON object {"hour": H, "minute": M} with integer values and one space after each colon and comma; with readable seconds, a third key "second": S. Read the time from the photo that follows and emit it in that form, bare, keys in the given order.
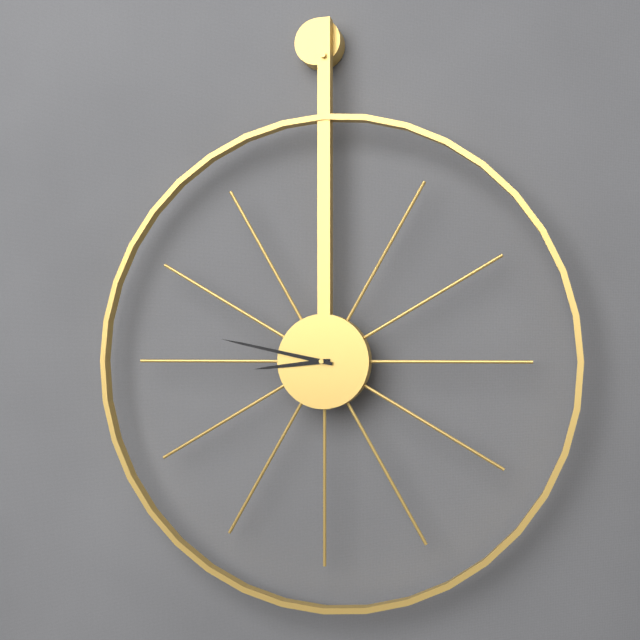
{"hour": 8, "minute": 47}
